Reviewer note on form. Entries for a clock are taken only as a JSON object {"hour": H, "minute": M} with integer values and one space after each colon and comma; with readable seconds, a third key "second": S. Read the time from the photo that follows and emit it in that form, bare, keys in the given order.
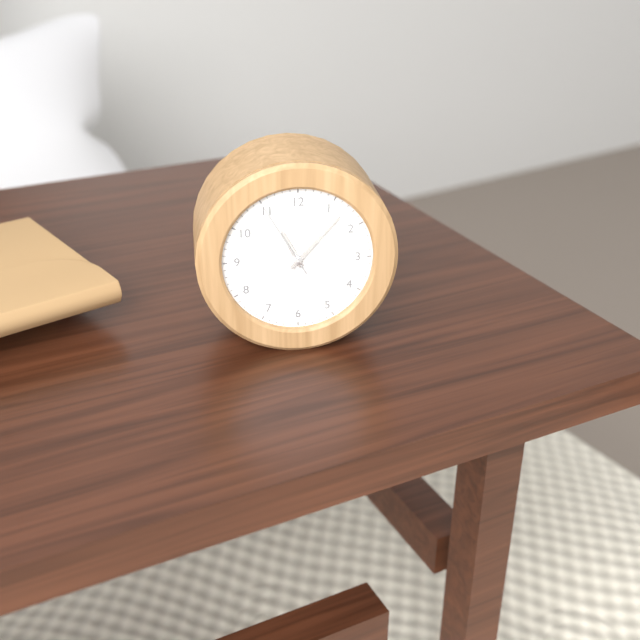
{"hour": 11, "minute": 7, "second": 55}
